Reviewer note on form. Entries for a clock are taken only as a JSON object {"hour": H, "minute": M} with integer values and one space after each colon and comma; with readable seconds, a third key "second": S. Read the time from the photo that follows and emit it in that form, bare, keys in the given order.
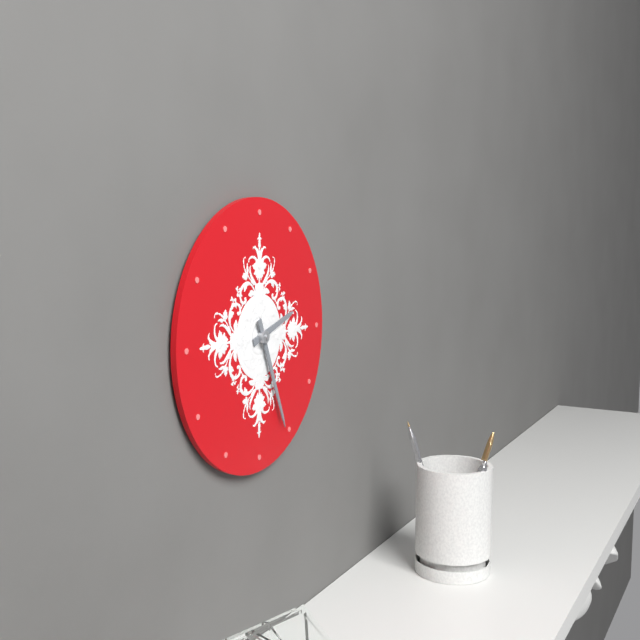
{"hour": 2, "minute": 26}
